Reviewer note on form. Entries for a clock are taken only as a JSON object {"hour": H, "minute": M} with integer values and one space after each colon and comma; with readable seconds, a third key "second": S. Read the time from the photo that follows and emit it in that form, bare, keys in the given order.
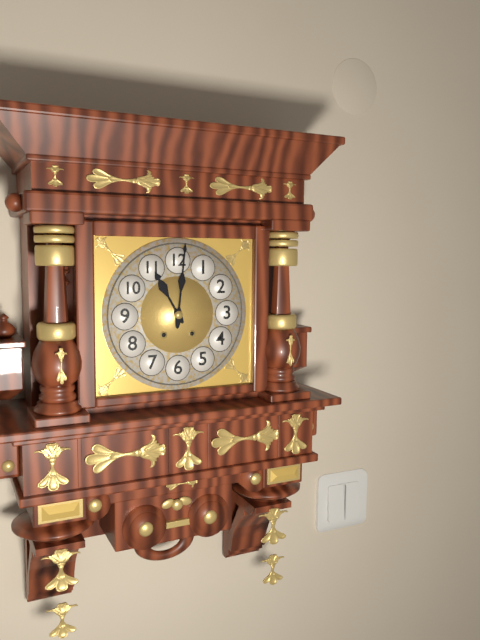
{"hour": 11, "minute": 1}
